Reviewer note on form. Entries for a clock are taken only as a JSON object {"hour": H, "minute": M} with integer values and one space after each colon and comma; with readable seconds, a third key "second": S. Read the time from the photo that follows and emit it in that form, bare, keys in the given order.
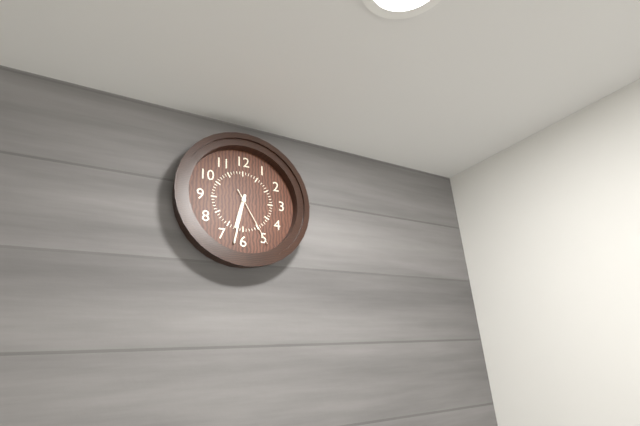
{"hour": 6, "minute": 32, "second": 25}
